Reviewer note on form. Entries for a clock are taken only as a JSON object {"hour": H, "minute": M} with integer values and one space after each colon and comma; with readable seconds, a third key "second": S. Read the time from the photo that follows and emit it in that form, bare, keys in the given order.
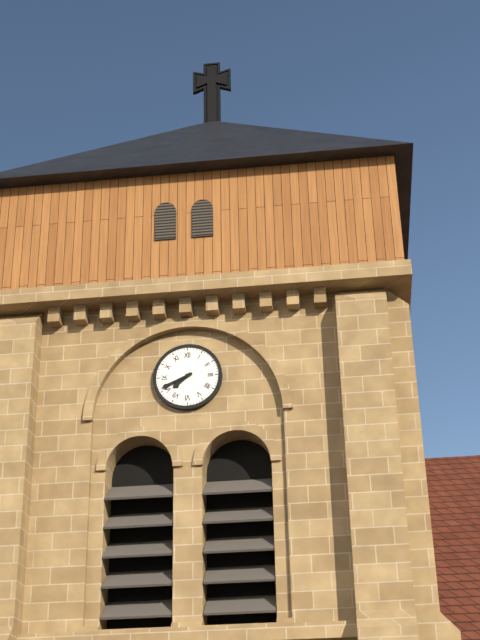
{"hour": 7, "minute": 41}
